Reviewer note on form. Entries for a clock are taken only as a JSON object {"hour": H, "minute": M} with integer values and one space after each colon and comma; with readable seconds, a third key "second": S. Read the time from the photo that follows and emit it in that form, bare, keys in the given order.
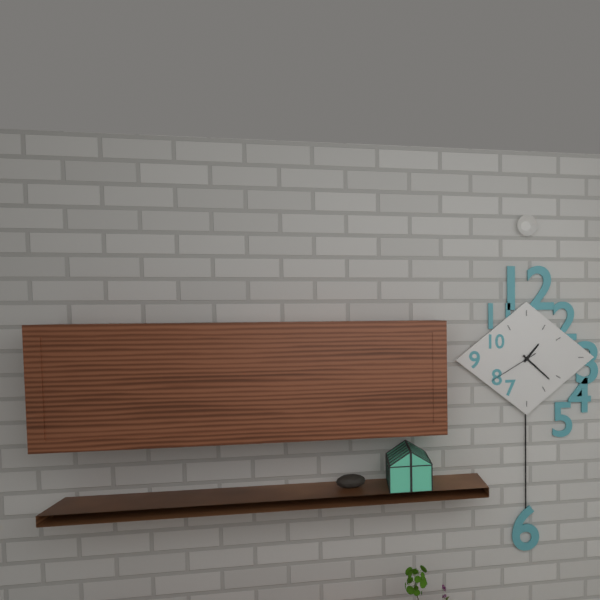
{"hour": 1, "minute": 22, "second": 40}
